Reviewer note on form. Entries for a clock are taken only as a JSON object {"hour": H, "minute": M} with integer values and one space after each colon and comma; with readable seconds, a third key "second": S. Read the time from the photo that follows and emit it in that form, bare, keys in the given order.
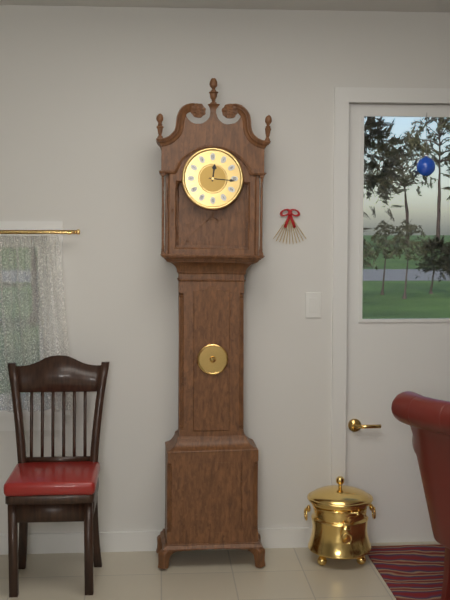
{"hour": 12, "minute": 16}
